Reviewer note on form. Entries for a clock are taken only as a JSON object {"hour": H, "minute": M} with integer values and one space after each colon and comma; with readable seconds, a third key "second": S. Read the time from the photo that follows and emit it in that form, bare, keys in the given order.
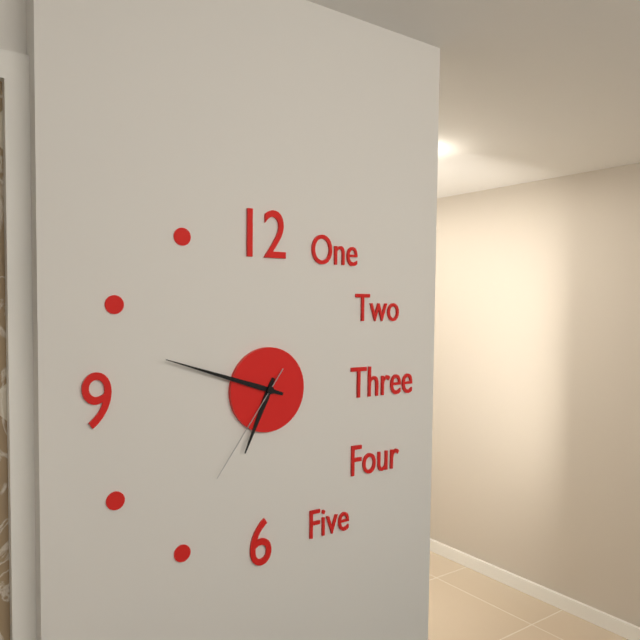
{"hour": 6, "minute": 48, "second": 36}
